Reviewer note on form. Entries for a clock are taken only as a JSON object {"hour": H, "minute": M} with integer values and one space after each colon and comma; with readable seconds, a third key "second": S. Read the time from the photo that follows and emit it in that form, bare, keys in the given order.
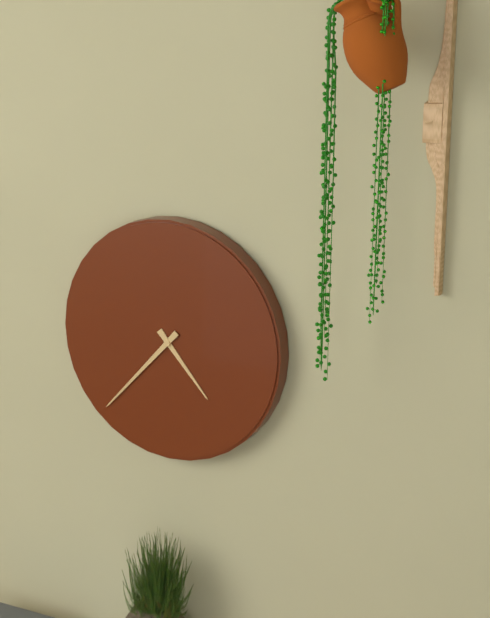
{"hour": 4, "minute": 37}
